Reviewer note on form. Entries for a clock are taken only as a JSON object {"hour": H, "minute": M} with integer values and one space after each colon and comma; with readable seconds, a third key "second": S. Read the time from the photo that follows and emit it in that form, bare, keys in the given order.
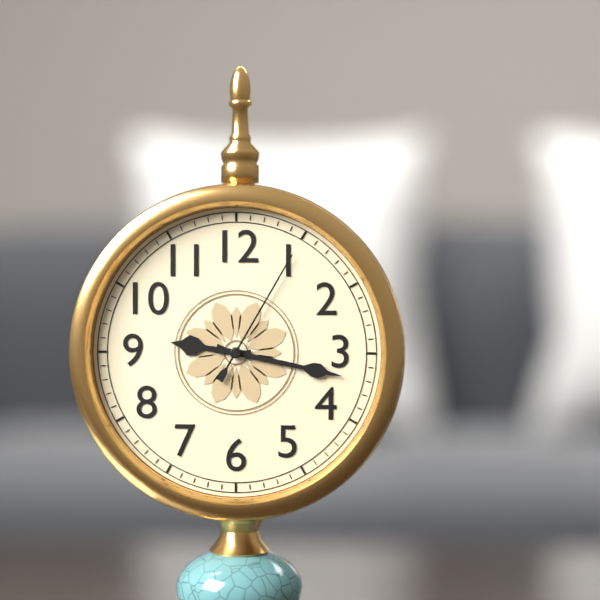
{"hour": 9, "minute": 17, "second": 5}
